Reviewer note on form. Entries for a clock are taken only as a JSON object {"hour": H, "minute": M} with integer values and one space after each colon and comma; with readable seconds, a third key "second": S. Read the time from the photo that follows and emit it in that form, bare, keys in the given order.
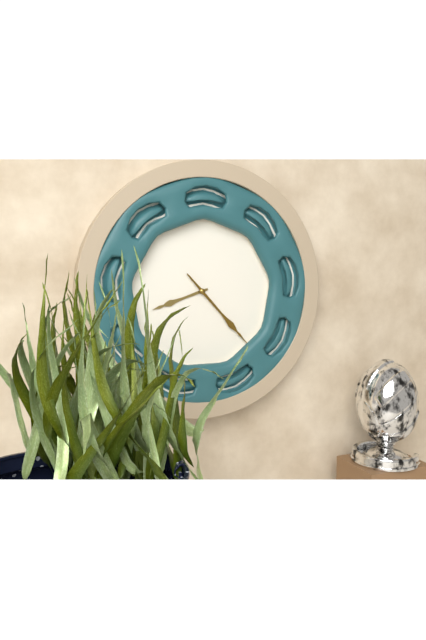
{"hour": 8, "minute": 23}
